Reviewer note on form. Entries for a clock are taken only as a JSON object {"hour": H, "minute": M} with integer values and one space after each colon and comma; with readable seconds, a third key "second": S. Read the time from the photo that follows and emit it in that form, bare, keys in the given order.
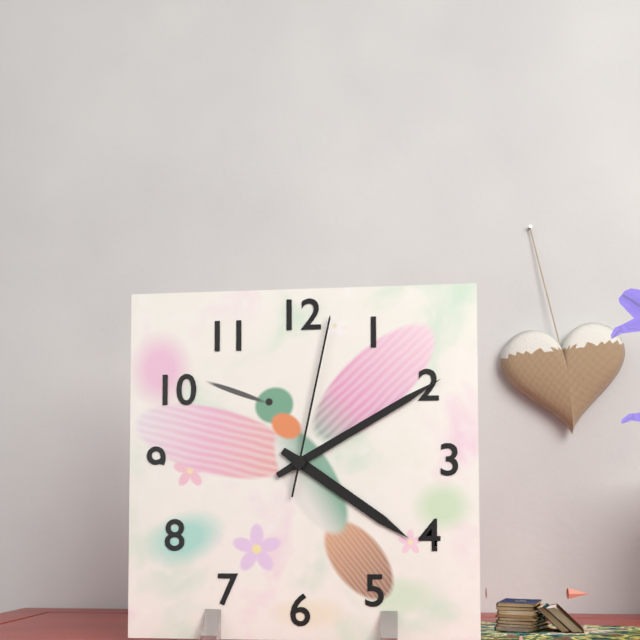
{"hour": 4, "minute": 10, "second": 2}
